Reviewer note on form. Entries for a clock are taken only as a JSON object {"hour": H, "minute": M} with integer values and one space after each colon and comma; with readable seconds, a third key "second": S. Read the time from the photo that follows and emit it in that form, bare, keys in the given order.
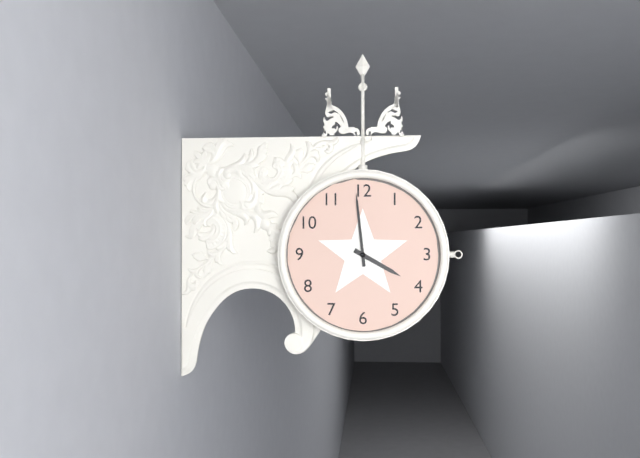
{"hour": 3, "minute": 59}
